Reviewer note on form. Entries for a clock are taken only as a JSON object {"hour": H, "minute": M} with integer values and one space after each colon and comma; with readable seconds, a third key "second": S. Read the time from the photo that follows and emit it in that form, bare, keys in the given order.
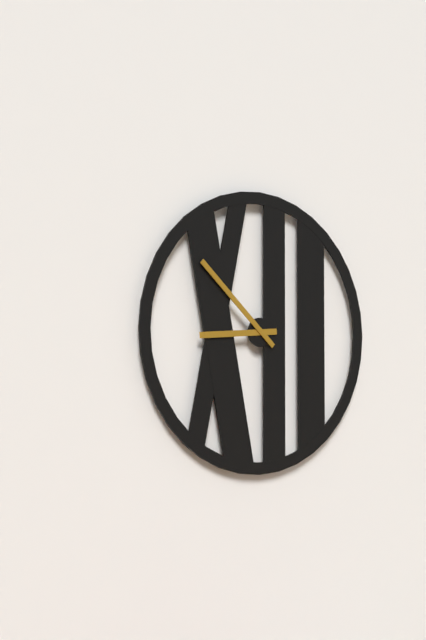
{"hour": 8, "minute": 52}
